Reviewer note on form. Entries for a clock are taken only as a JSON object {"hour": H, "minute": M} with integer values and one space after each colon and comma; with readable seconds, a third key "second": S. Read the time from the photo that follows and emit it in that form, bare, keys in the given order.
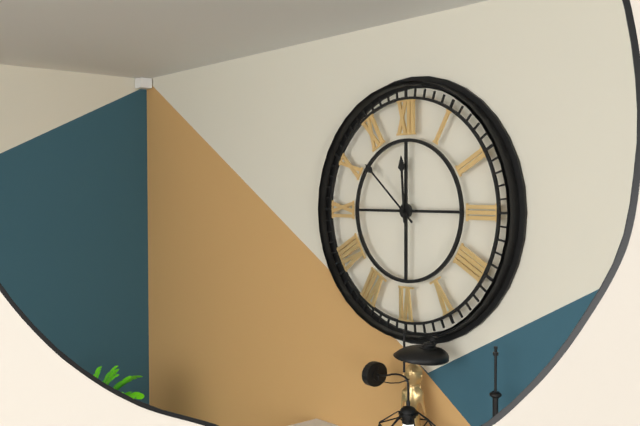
{"hour": 11, "minute": 52}
